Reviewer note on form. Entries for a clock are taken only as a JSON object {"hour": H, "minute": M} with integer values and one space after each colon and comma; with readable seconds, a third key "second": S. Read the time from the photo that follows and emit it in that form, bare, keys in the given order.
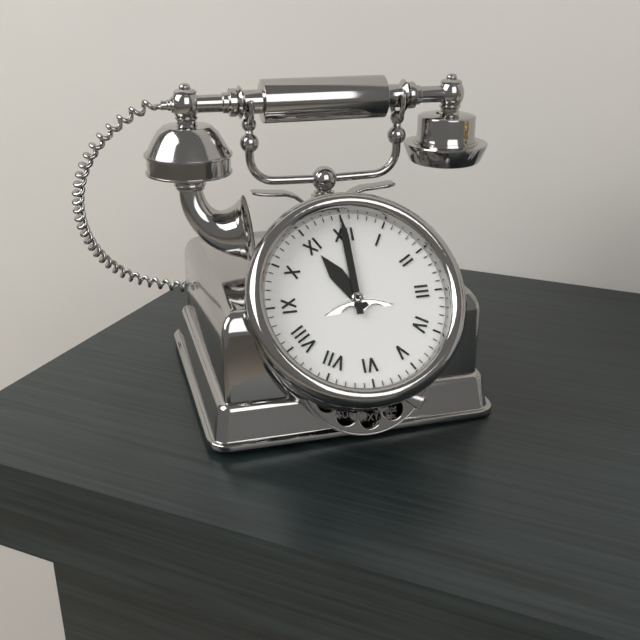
{"hour": 11, "minute": 0}
